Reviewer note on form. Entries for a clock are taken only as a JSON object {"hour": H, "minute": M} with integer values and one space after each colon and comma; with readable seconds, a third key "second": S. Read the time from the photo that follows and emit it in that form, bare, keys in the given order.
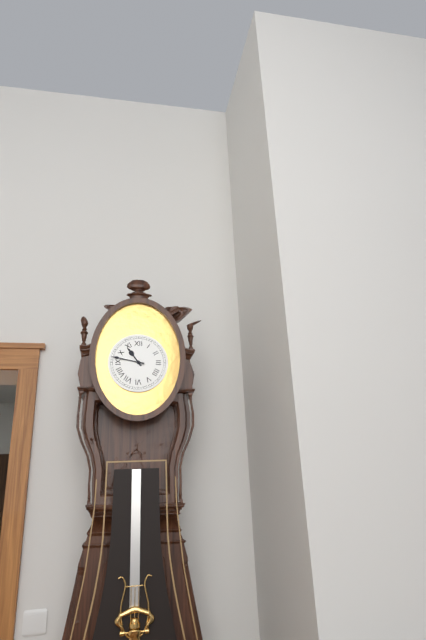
{"hour": 10, "minute": 47}
